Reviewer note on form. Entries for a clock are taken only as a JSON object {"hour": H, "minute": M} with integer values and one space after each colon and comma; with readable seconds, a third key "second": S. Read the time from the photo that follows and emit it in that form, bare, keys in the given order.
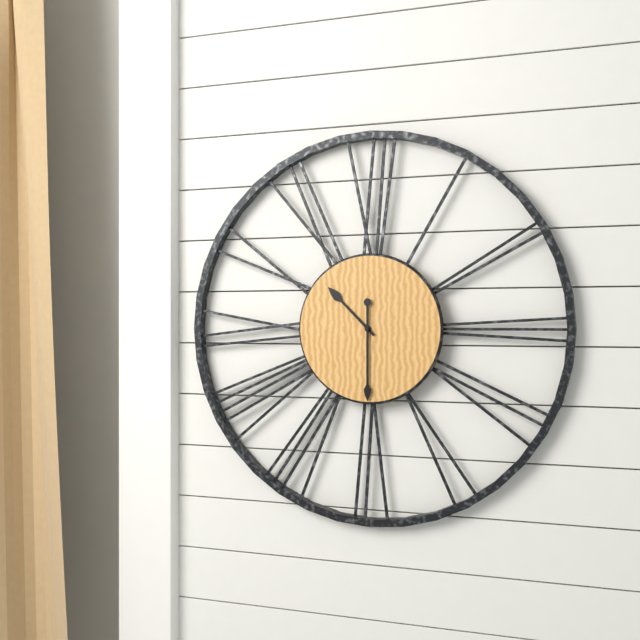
{"hour": 10, "minute": 30}
